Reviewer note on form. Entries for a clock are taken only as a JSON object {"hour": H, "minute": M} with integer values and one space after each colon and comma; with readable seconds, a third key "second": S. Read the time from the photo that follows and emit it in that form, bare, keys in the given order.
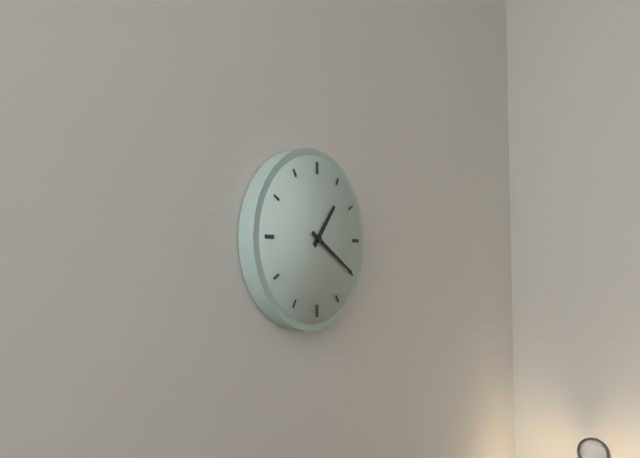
{"hour": 1, "minute": 20}
